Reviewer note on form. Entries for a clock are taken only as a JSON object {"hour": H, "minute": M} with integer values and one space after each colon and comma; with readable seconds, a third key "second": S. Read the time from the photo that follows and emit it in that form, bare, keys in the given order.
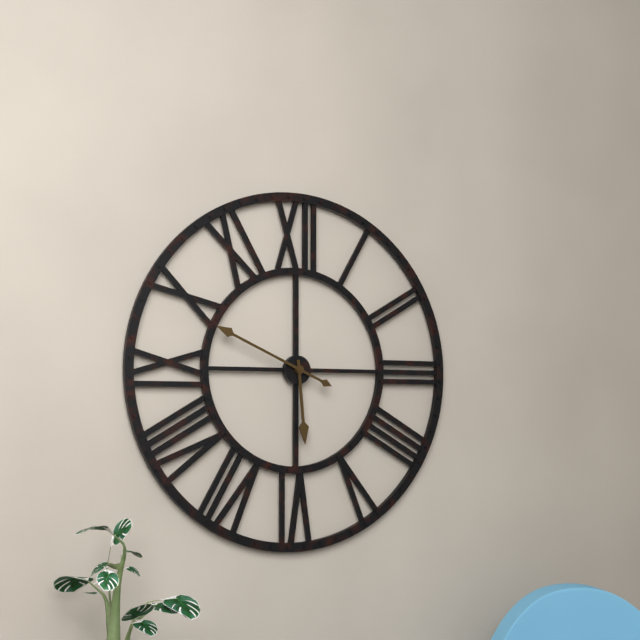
{"hour": 5, "minute": 49}
